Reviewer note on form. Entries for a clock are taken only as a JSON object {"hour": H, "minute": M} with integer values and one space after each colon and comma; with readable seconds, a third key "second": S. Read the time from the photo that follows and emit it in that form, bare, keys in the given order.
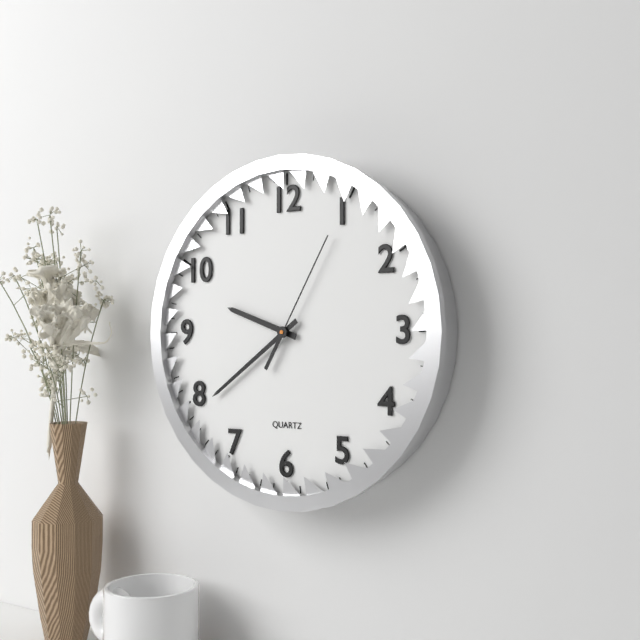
{"hour": 9, "minute": 39, "second": 5}
